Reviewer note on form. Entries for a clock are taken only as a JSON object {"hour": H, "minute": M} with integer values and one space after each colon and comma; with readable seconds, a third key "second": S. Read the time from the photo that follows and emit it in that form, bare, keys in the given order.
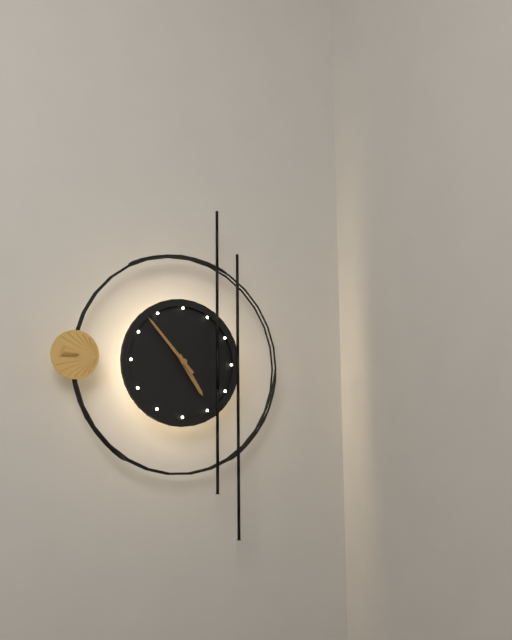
{"hour": 4, "minute": 53}
